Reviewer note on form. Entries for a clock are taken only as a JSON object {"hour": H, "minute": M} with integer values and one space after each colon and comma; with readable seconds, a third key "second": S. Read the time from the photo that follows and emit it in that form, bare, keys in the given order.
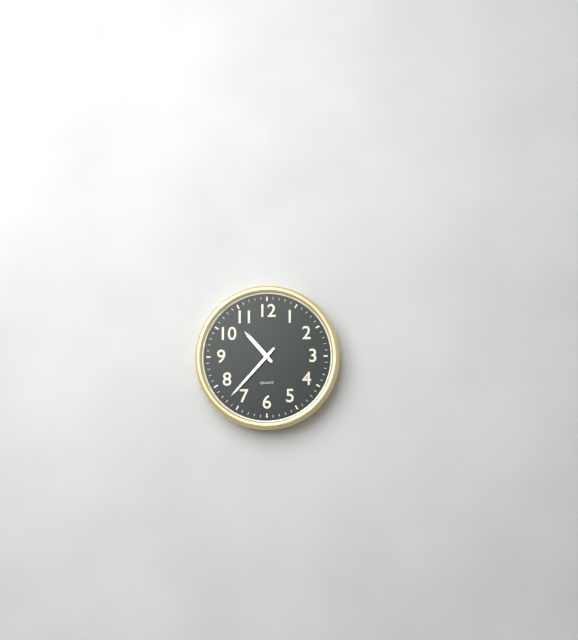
{"hour": 10, "minute": 37}
